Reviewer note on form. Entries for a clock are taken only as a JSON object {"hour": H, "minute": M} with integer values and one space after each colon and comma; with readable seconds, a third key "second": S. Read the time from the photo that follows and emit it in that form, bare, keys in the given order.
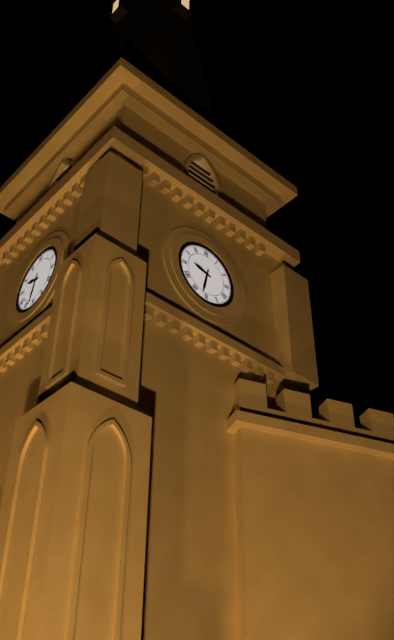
{"hour": 9, "minute": 32}
